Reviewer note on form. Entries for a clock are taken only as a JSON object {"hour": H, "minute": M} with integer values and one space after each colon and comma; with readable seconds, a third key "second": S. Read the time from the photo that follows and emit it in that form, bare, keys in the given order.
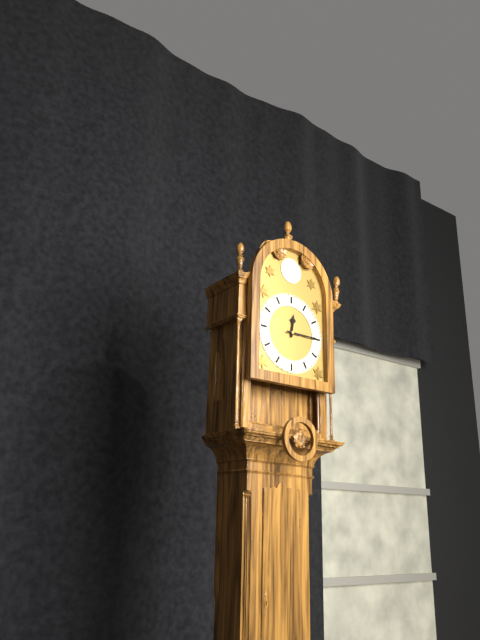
{"hour": 12, "minute": 15}
